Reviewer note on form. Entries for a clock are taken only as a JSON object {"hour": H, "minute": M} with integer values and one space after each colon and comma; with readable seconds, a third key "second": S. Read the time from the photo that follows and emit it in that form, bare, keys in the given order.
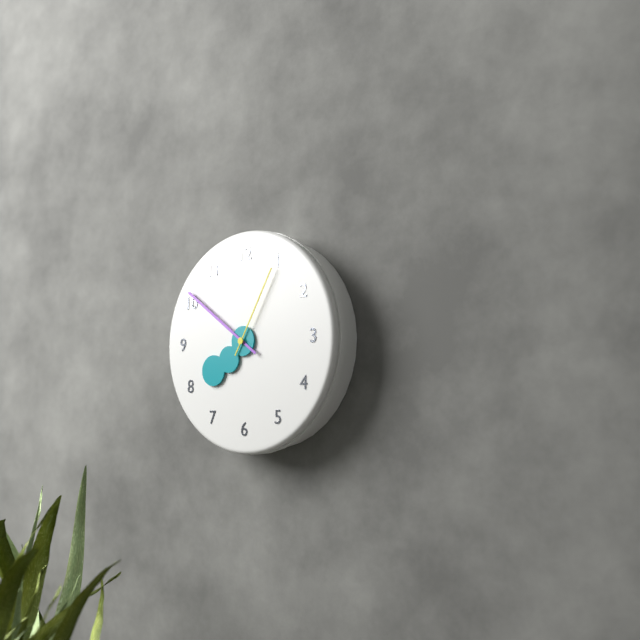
{"hour": 7, "minute": 51, "second": 5}
